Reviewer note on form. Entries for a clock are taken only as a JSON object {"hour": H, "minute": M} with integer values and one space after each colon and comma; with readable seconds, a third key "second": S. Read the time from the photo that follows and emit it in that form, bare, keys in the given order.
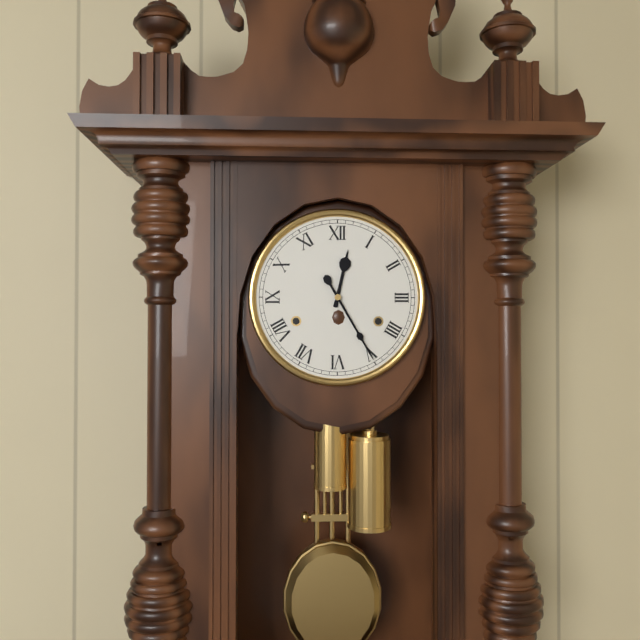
{"hour": 12, "minute": 25}
